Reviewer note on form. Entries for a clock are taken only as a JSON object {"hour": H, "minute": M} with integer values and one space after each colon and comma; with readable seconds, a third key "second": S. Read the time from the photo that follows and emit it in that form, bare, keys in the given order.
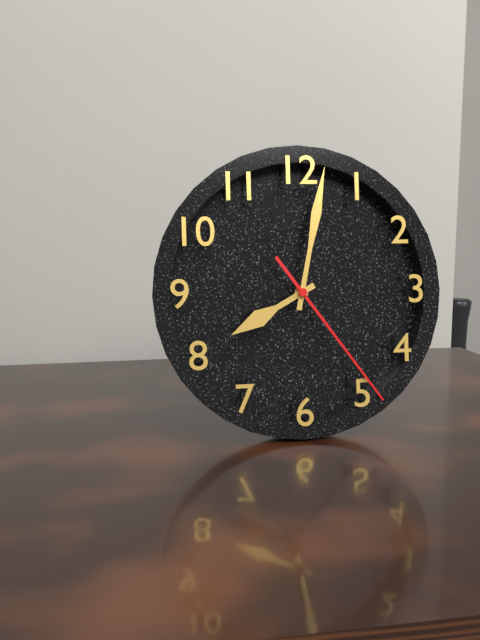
{"hour": 8, "minute": 2, "second": 24}
